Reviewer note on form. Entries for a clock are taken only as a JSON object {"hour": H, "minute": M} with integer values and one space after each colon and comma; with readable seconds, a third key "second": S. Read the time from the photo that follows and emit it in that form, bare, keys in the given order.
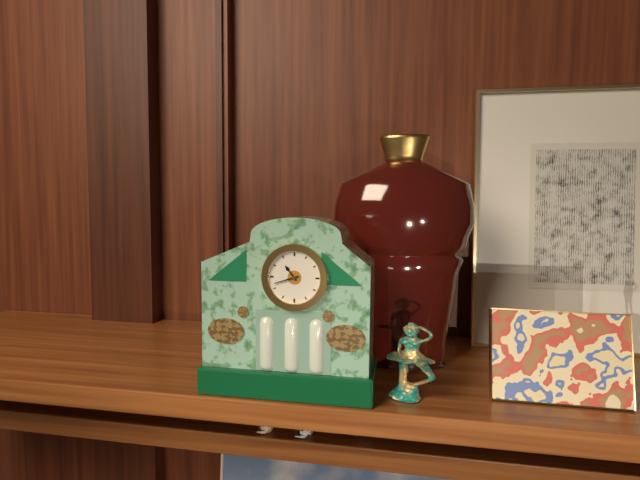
{"hour": 10, "minute": 42}
